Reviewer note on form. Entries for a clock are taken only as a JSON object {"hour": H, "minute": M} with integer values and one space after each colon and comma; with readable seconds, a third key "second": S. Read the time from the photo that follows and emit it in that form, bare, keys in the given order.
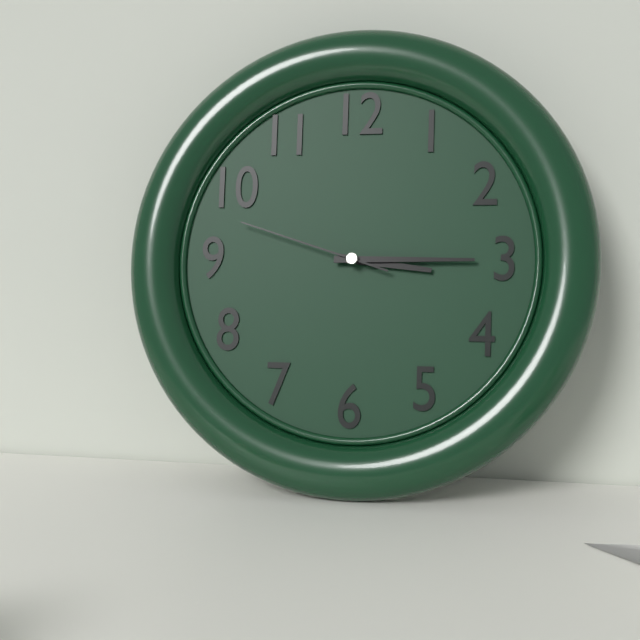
{"hour": 3, "minute": 15, "second": 48}
